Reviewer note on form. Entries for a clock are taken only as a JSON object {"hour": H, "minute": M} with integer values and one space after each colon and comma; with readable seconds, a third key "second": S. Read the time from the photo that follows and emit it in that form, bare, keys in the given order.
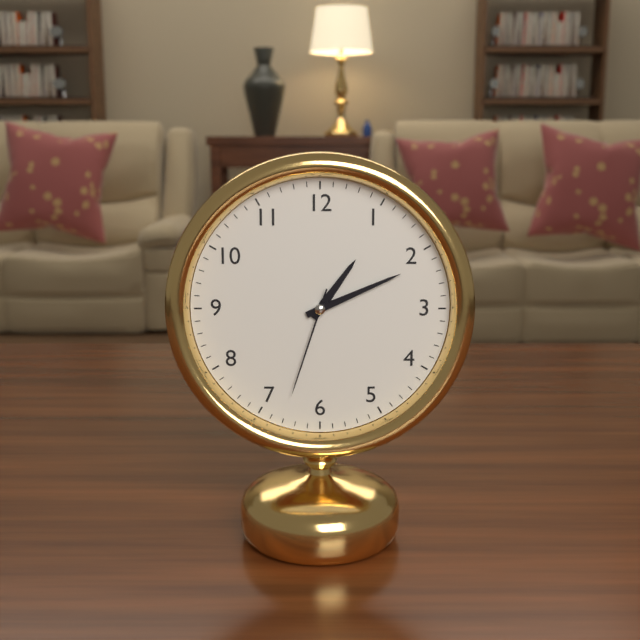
{"hour": 1, "minute": 11, "second": 33}
